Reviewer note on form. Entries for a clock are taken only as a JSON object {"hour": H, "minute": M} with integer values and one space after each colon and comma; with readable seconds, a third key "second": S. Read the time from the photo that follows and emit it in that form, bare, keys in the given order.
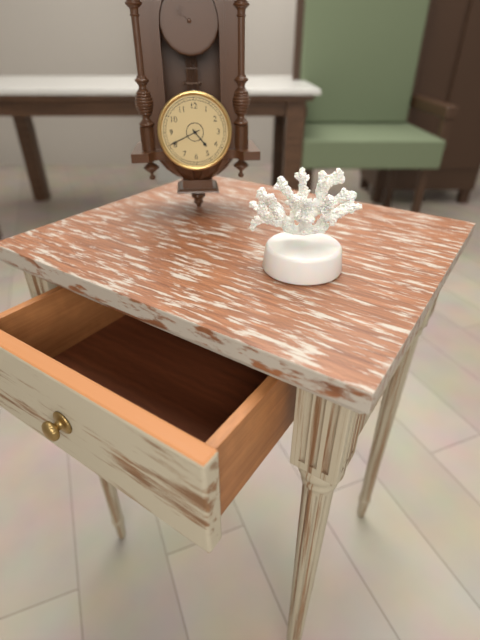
{"hour": 4, "minute": 41}
